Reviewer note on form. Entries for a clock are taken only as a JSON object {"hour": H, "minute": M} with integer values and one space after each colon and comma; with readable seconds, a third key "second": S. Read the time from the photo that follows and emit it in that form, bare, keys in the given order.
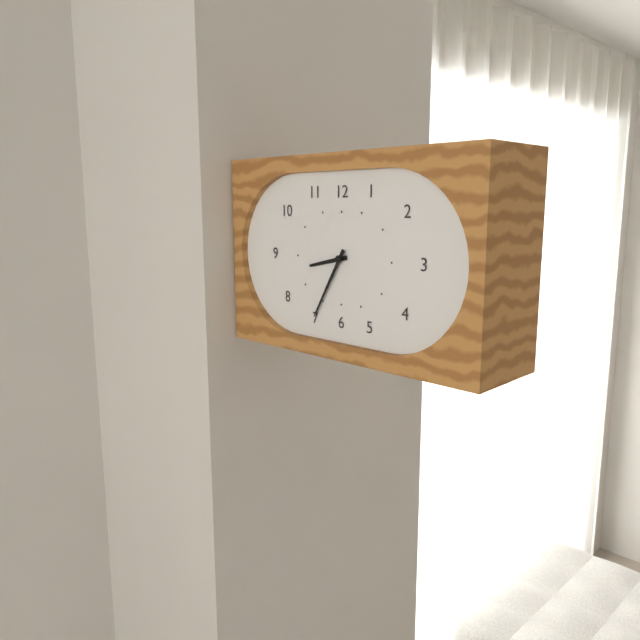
{"hour": 8, "minute": 35}
